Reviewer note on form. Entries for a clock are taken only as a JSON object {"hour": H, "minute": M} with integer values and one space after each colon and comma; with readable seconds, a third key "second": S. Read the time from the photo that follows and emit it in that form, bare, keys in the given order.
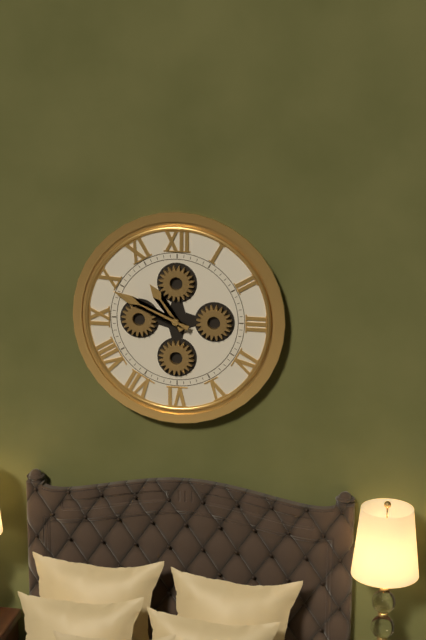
{"hour": 10, "minute": 49}
